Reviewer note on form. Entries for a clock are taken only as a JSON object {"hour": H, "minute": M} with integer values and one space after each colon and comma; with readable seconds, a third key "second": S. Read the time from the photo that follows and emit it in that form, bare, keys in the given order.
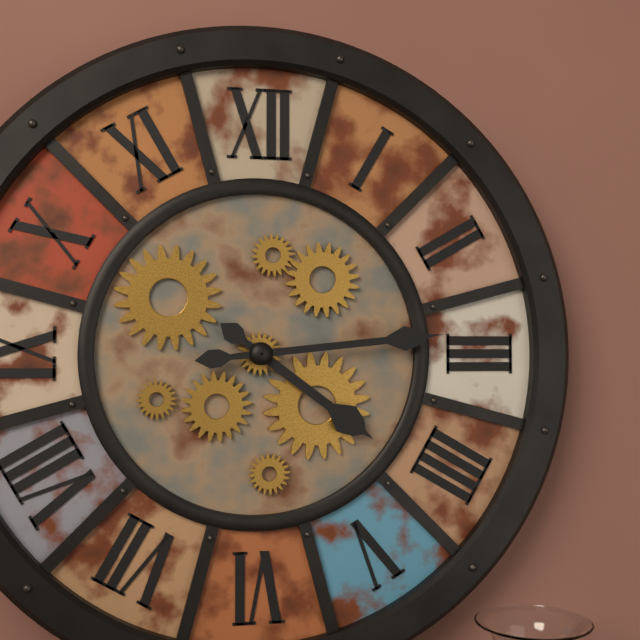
{"hour": 4, "minute": 14}
